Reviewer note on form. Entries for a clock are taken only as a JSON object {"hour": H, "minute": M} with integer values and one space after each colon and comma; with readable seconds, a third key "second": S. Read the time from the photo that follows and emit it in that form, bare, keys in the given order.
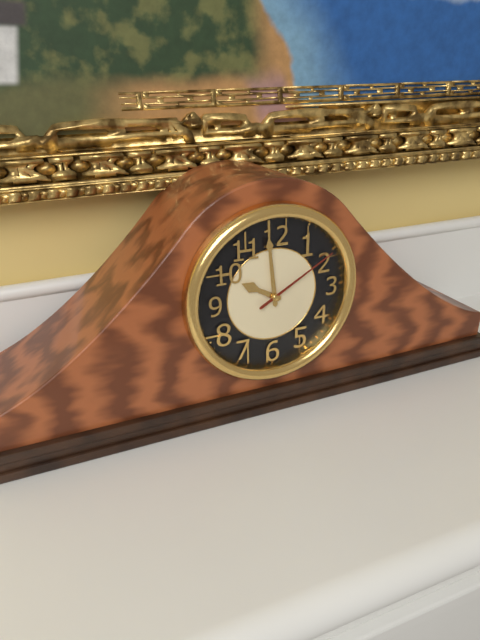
{"hour": 9, "minute": 59, "second": 10}
